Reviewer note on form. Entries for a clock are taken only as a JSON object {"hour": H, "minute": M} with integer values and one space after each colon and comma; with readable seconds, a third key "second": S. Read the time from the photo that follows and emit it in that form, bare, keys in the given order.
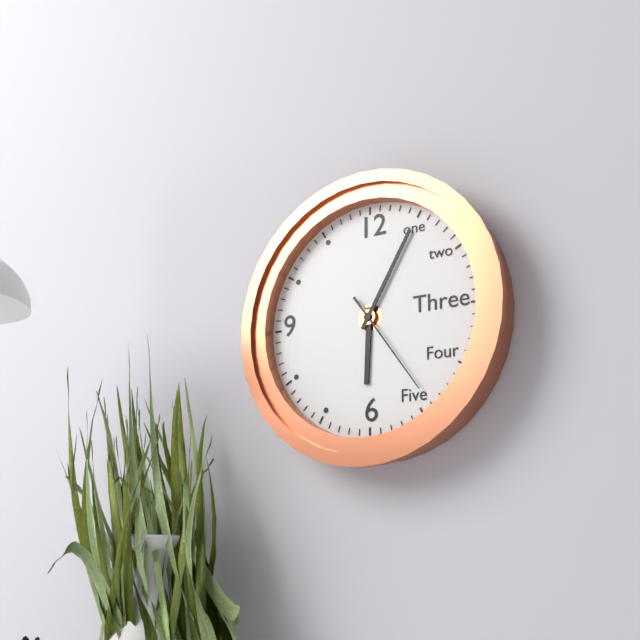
{"hour": 6, "minute": 5, "second": 24}
